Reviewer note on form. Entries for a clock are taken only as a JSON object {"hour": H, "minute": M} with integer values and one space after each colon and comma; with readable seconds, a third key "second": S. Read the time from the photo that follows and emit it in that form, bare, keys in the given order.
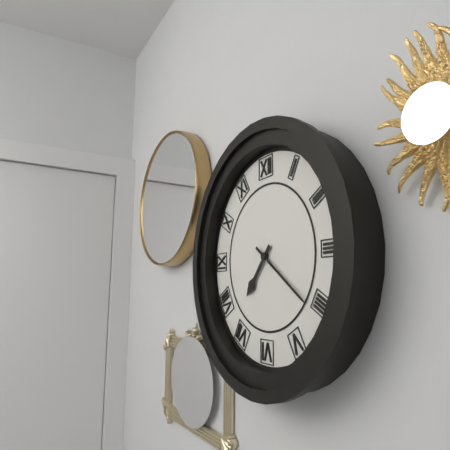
{"hour": 7, "minute": 21}
